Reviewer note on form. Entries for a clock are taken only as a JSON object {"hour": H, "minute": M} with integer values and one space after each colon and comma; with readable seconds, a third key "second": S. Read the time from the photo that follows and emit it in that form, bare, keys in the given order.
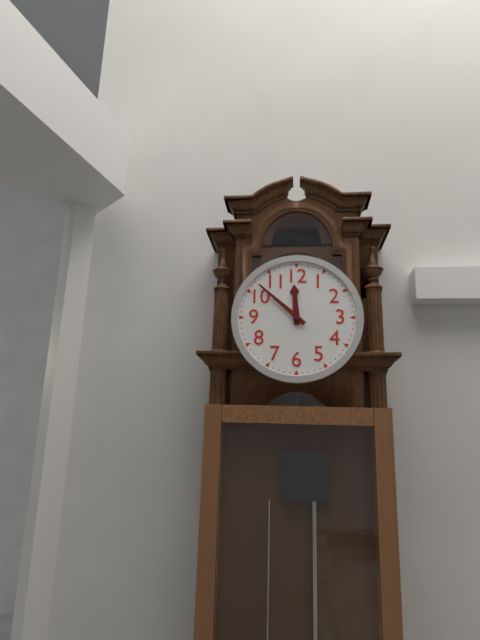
{"hour": 11, "minute": 52}
